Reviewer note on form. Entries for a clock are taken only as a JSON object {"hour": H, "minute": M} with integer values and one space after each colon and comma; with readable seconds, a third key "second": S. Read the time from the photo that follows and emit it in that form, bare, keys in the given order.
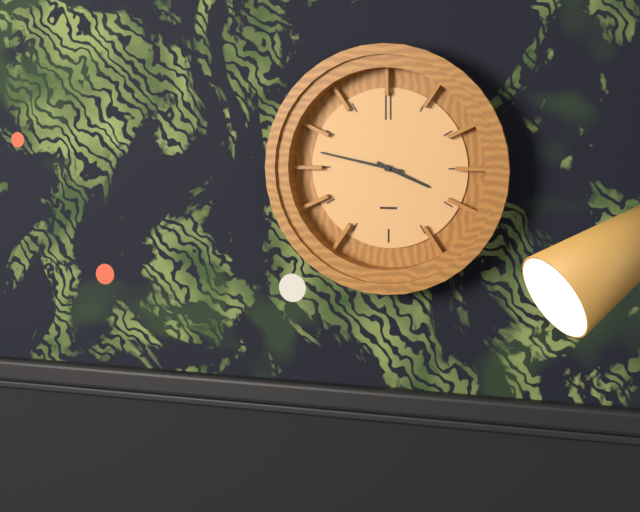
{"hour": 3, "minute": 47}
